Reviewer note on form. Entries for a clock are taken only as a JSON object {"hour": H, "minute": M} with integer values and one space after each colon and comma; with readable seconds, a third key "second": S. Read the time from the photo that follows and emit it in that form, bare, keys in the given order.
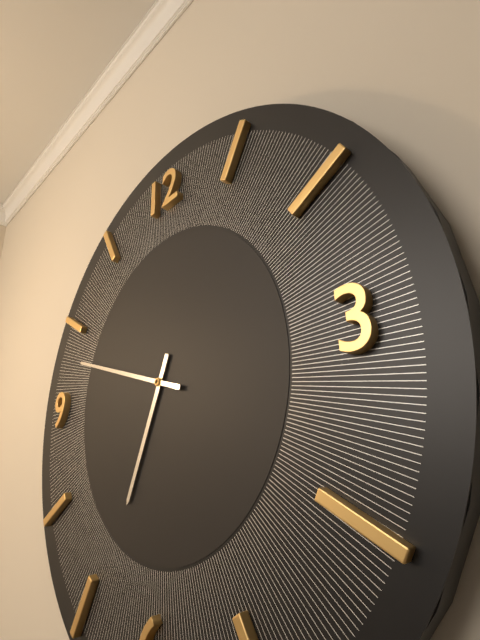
{"hour": 6, "minute": 48}
